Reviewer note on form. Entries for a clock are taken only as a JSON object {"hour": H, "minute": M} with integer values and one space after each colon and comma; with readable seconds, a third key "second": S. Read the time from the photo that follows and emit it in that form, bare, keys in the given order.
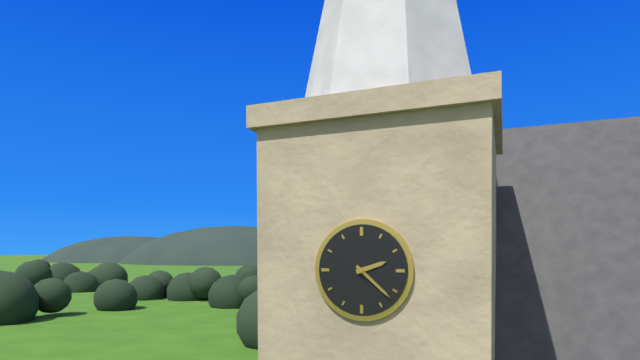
{"hour": 2, "minute": 22}
